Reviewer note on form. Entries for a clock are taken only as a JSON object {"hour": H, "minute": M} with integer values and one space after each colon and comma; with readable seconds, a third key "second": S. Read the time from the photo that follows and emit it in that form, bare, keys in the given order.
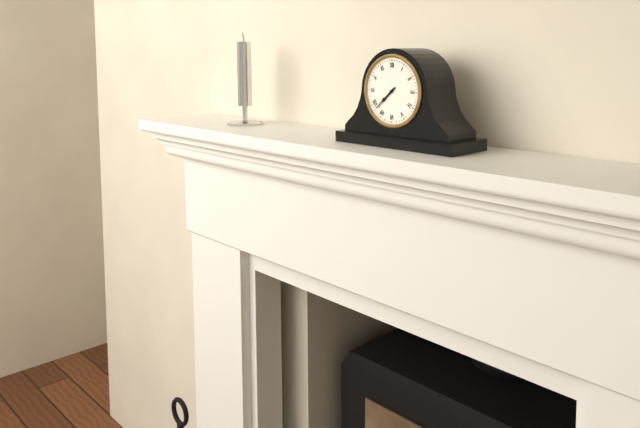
{"hour": 7, "minute": 38}
